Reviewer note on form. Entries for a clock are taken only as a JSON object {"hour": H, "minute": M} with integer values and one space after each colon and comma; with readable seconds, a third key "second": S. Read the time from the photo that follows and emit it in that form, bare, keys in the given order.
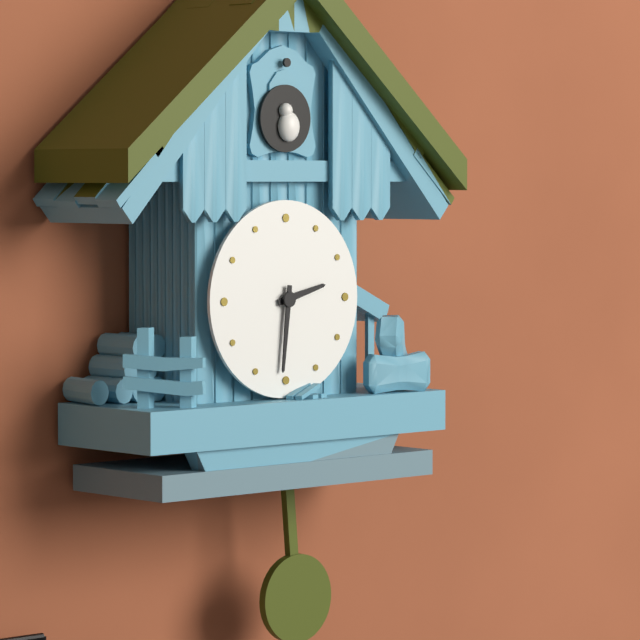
{"hour": 2, "minute": 31}
